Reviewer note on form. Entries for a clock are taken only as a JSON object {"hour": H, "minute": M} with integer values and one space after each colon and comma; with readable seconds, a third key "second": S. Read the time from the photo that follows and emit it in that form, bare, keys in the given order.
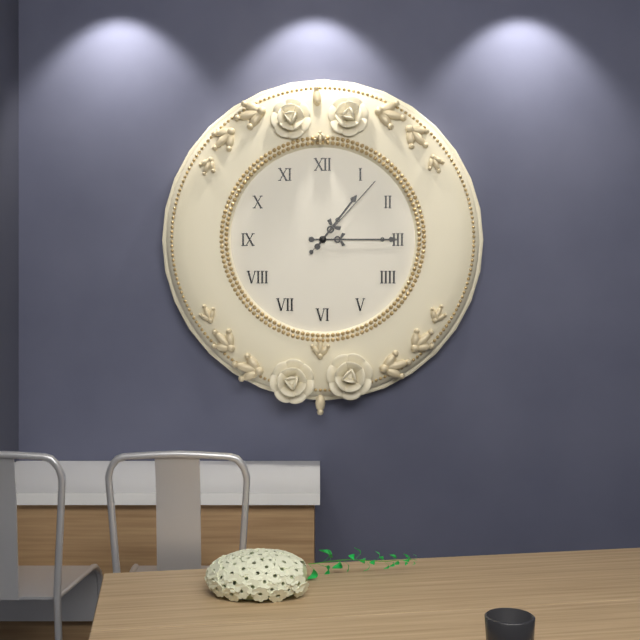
{"hour": 1, "minute": 15, "second": 7}
